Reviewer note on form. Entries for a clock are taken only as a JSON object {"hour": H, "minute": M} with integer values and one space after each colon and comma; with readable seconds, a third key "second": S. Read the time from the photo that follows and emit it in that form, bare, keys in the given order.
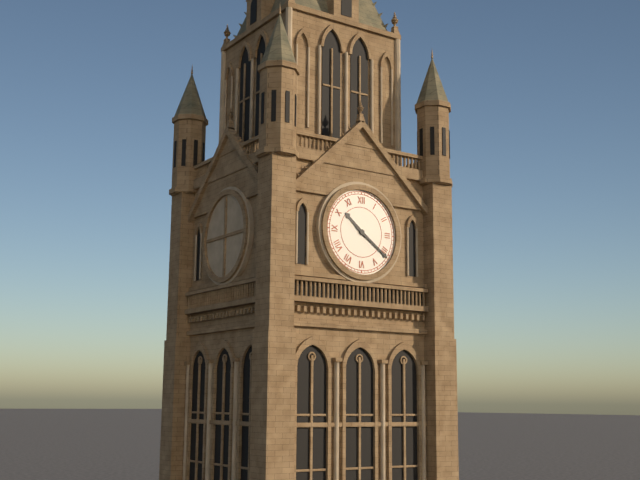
{"hour": 10, "minute": 21}
